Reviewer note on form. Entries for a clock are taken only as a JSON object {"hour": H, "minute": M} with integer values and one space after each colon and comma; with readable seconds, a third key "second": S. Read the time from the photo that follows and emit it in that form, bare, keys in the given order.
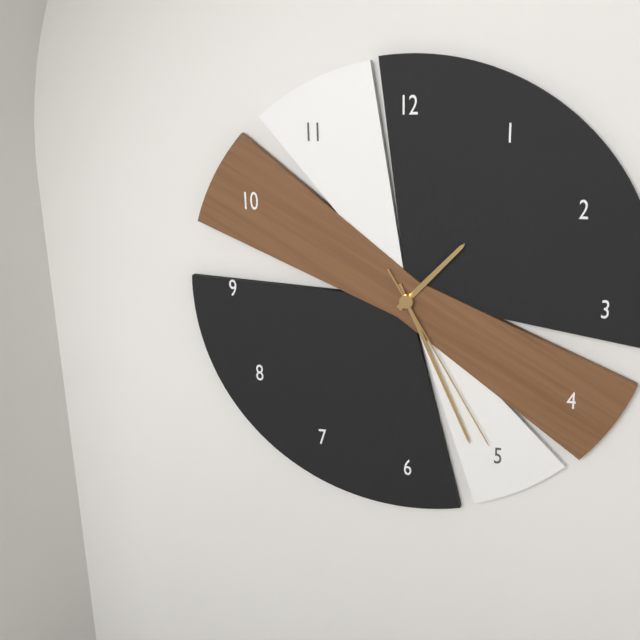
{"hour": 1, "minute": 26, "second": 25}
